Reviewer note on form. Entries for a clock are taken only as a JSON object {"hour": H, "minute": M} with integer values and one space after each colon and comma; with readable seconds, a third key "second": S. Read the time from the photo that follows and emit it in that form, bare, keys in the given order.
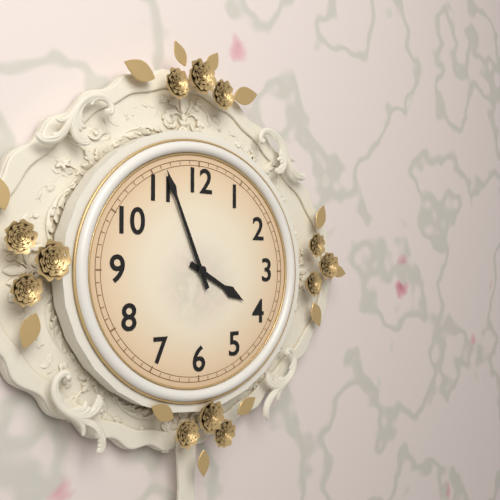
{"hour": 3, "minute": 56}
